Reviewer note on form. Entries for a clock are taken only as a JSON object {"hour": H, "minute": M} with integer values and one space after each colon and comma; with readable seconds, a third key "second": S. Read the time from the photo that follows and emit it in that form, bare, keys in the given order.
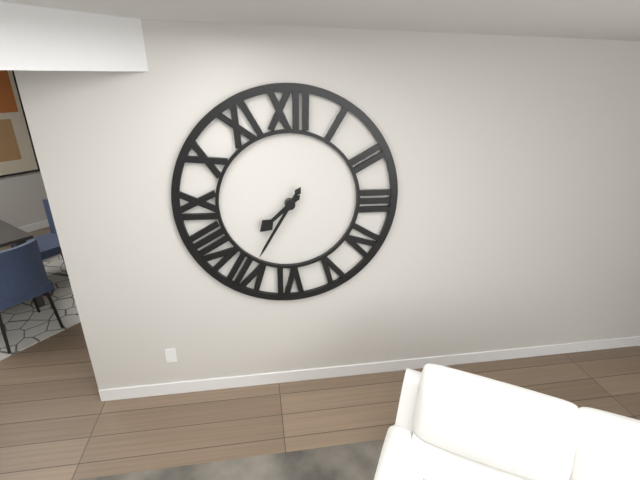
{"hour": 7, "minute": 35}
